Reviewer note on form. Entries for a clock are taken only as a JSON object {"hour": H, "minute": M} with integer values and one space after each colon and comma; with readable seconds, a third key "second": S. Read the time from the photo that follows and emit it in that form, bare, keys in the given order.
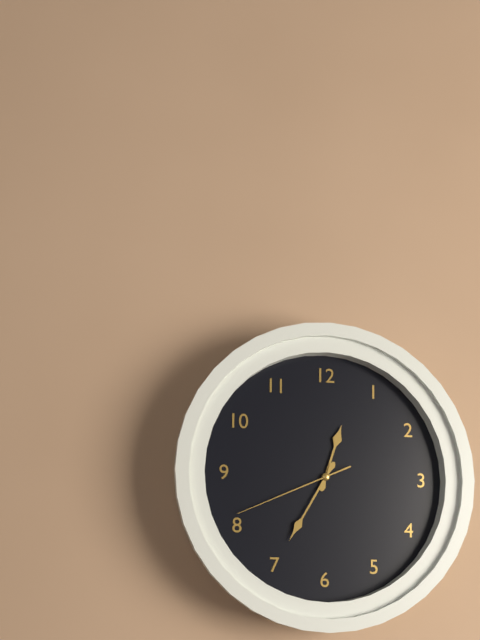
{"hour": 12, "minute": 35, "second": 41}
